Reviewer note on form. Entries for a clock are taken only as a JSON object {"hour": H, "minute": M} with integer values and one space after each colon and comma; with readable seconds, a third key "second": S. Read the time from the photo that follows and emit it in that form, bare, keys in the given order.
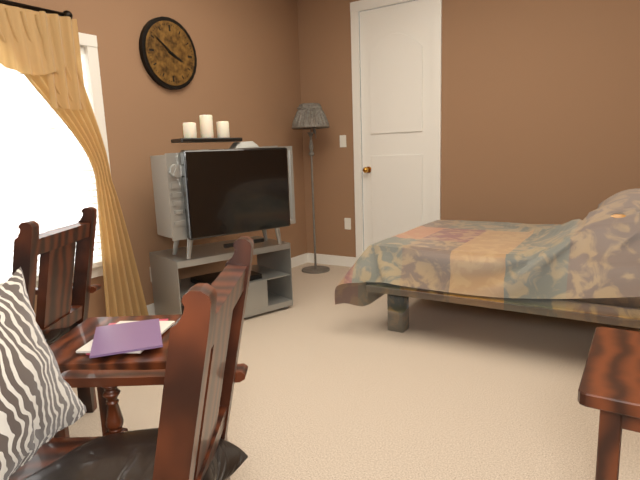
{"hour": 3, "minute": 51}
